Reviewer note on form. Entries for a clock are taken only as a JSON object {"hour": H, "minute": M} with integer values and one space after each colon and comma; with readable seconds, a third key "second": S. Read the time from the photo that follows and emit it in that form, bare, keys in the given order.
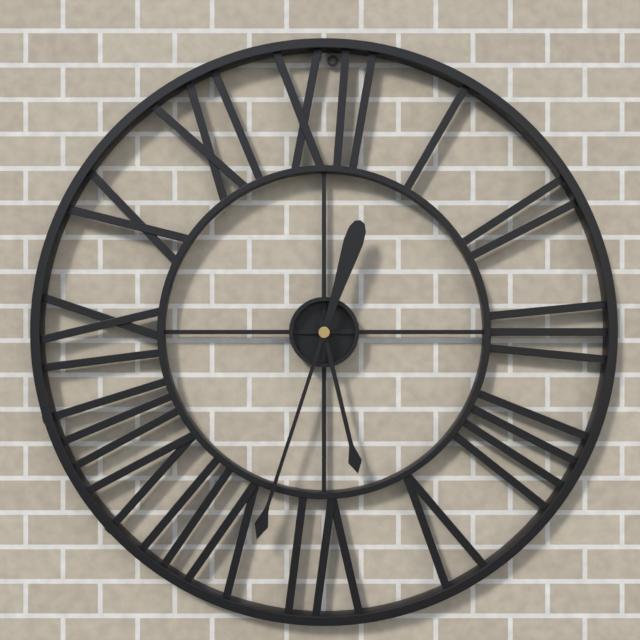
{"hour": 5, "minute": 33}
